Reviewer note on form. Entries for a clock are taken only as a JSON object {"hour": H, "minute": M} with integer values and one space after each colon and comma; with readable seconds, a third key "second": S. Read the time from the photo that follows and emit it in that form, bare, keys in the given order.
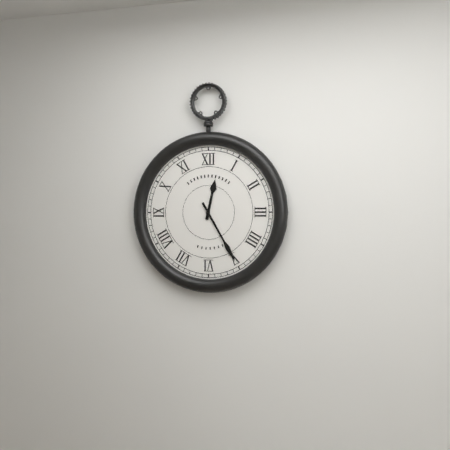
{"hour": 12, "minute": 25}
